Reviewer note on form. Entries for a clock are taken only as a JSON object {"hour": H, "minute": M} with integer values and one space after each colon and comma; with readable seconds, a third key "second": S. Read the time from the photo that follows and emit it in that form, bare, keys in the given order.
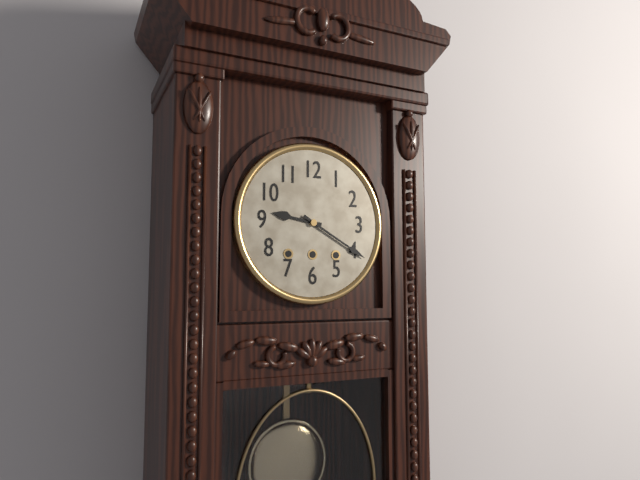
{"hour": 9, "minute": 20}
